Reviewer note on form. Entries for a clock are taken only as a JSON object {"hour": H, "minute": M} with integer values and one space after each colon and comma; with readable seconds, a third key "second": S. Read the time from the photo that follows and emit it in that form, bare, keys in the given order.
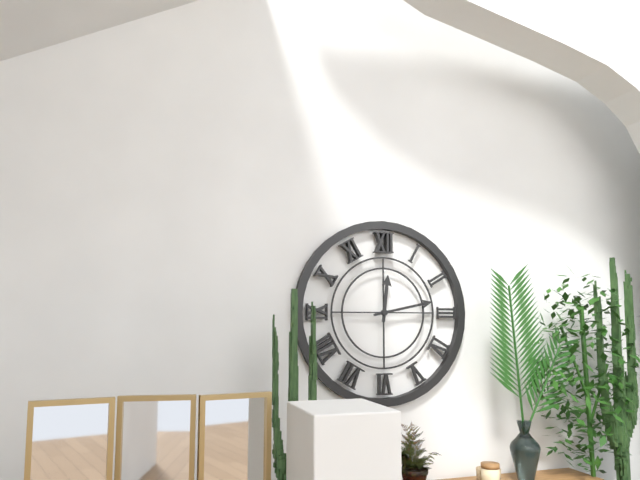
{"hour": 12, "minute": 13}
